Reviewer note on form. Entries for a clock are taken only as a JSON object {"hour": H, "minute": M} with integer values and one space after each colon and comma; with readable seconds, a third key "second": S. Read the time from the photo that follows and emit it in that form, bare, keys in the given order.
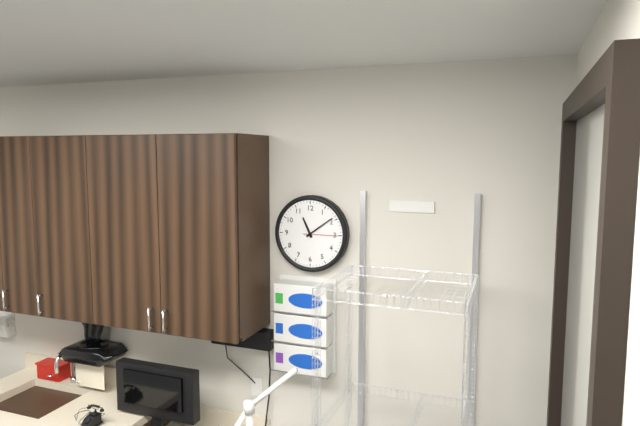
{"hour": 11, "minute": 9}
